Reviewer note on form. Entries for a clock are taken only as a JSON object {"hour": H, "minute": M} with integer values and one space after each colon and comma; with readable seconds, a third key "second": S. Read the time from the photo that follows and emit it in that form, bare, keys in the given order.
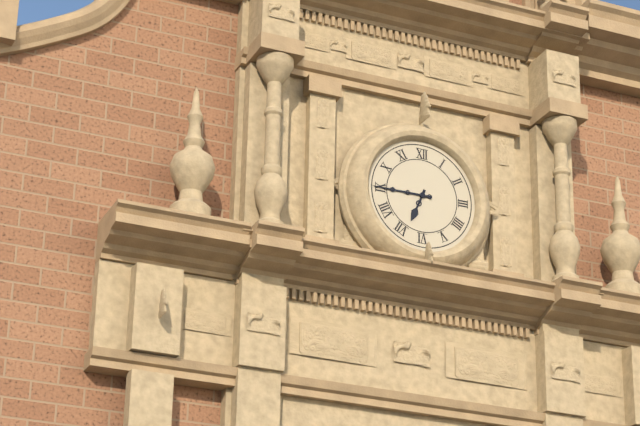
{"hour": 6, "minute": 45}
